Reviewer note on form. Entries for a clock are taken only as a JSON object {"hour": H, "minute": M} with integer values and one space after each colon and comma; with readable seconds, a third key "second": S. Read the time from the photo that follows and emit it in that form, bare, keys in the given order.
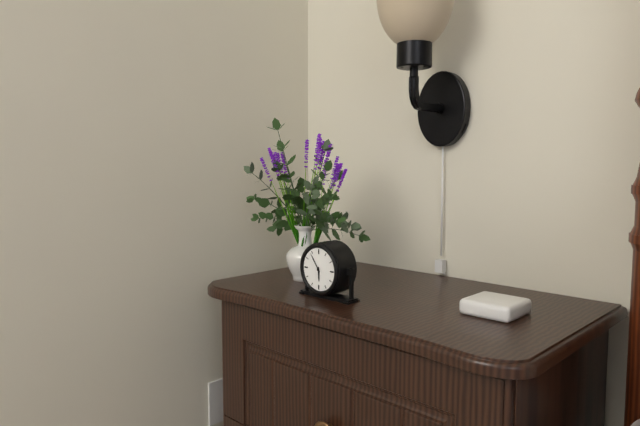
{"hour": 5, "minute": 54}
